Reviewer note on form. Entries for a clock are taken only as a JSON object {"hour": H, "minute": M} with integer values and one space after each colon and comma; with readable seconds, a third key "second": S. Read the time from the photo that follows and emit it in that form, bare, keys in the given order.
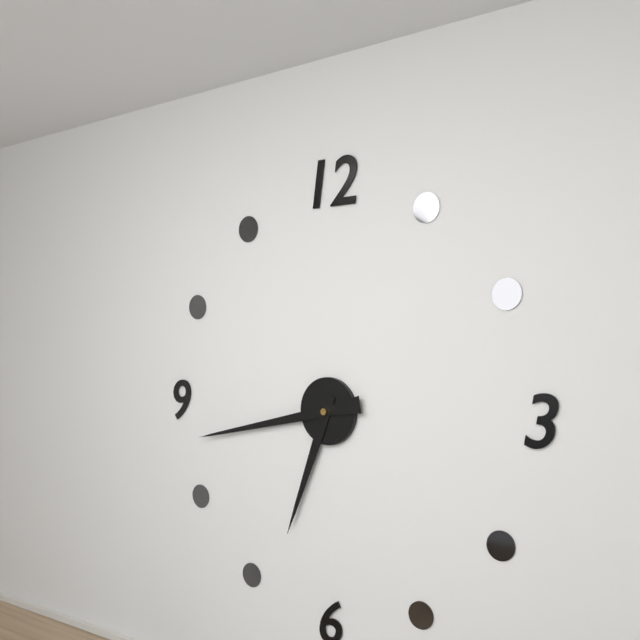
{"hour": 6, "minute": 43}
